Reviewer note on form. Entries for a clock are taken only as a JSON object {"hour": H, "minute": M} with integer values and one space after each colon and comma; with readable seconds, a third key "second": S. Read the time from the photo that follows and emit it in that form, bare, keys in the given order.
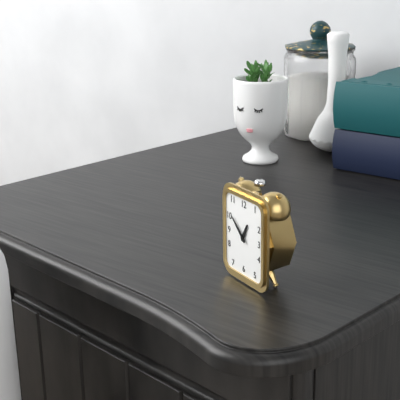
{"hour": 12, "minute": 52}
